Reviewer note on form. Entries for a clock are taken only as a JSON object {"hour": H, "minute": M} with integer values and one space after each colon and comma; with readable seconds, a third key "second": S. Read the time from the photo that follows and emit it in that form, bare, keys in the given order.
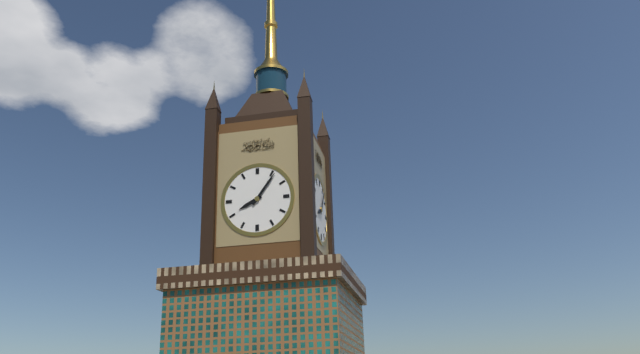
{"hour": 8, "minute": 6}
